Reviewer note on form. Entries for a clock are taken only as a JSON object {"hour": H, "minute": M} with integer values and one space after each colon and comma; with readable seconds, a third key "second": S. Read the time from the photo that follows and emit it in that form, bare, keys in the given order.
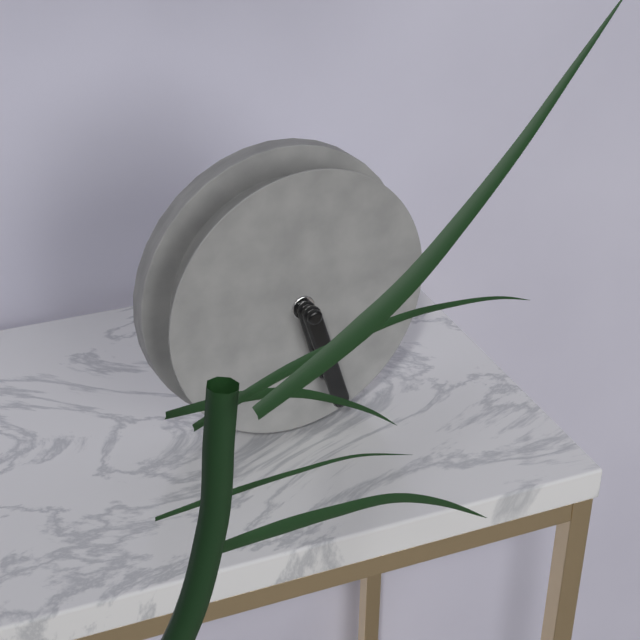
{"hour": 5, "minute": 27}
